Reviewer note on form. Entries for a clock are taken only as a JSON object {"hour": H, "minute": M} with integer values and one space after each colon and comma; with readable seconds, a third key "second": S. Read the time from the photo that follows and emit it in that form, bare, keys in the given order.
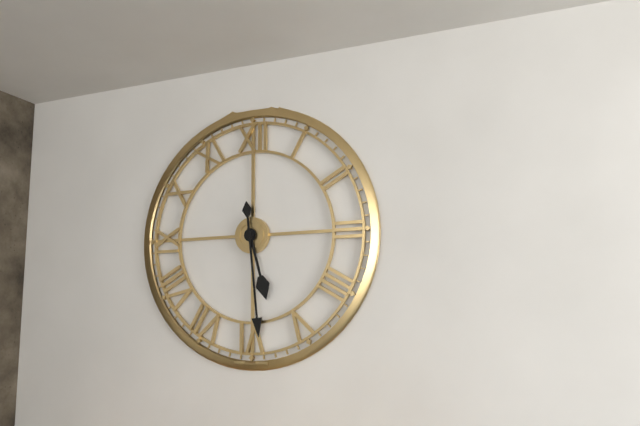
{"hour": 5, "minute": 29}
